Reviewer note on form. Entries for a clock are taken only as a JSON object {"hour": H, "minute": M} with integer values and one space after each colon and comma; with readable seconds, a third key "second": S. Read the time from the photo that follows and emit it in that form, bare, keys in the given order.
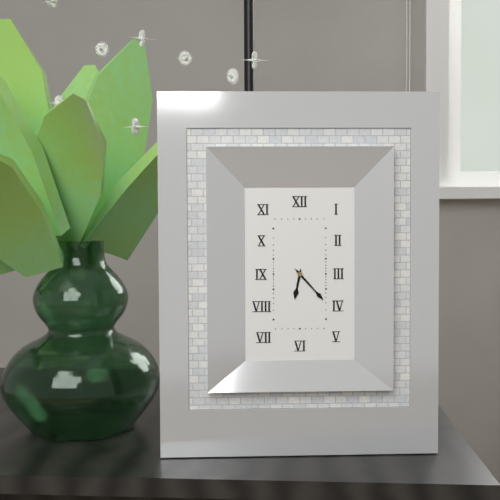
{"hour": 6, "minute": 23}
